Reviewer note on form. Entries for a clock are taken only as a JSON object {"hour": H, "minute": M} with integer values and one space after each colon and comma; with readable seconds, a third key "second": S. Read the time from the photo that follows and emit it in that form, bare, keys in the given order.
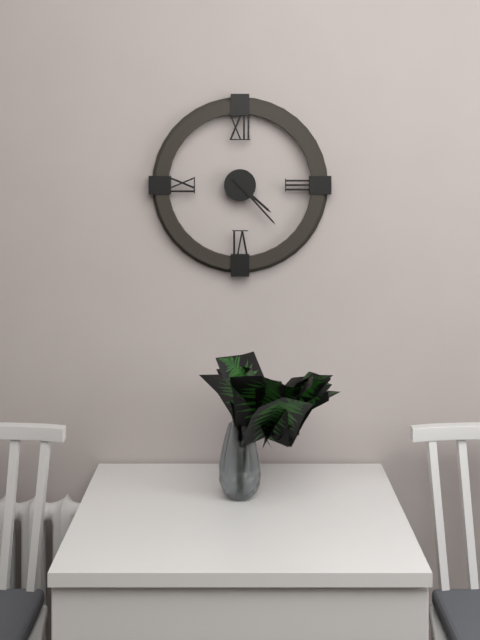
{"hour": 4, "minute": 23}
